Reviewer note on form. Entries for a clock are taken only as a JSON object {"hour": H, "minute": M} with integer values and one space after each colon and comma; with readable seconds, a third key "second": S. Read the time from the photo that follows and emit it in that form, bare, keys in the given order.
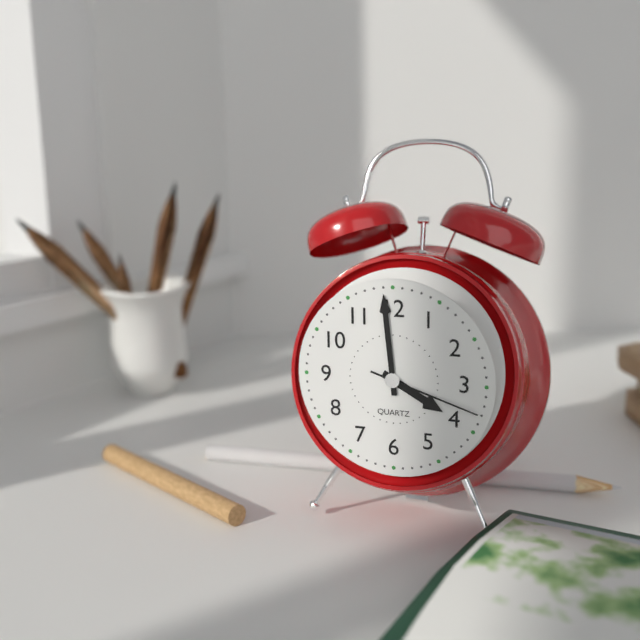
{"hour": 3, "minute": 59, "second": 18}
